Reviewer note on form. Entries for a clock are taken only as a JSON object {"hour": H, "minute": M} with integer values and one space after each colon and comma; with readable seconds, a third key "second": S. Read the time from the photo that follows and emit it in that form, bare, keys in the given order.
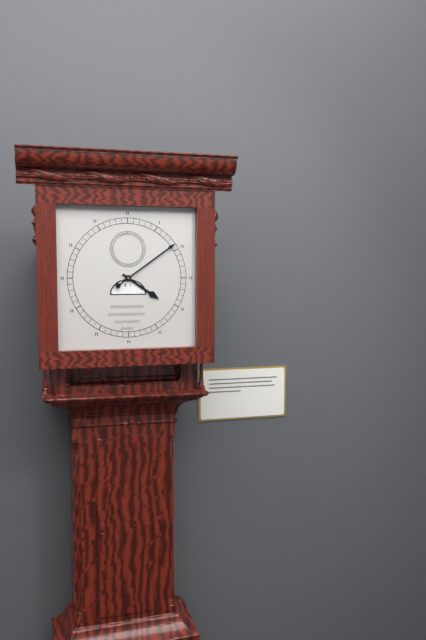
{"hour": 4, "minute": 9}
